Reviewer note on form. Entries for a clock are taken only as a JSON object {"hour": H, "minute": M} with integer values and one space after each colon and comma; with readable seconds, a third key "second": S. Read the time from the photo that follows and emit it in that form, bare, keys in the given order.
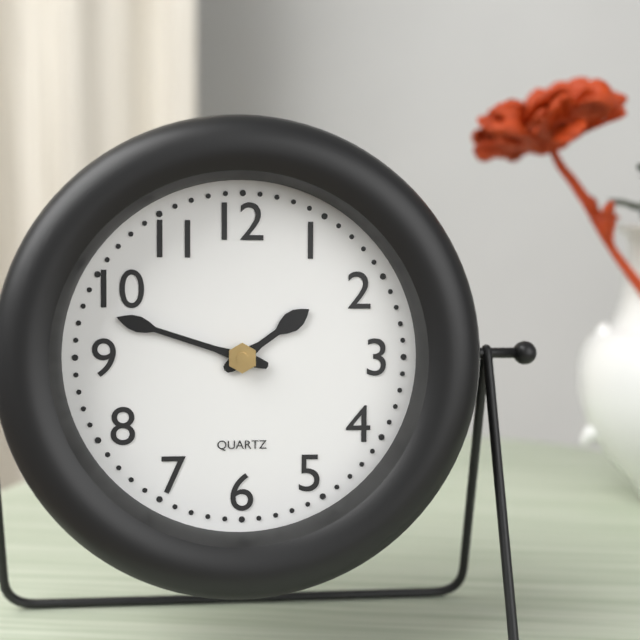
{"hour": 1, "minute": 48}
